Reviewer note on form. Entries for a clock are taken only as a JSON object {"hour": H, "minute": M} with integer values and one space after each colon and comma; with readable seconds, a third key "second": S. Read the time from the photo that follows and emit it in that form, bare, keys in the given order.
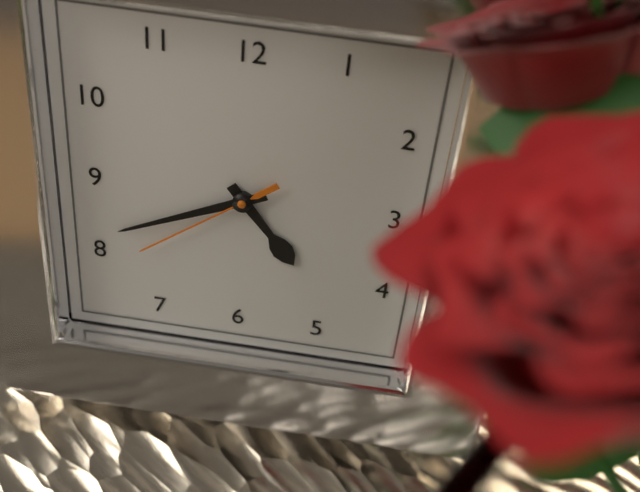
{"hour": 4, "minute": 41, "second": 39}
